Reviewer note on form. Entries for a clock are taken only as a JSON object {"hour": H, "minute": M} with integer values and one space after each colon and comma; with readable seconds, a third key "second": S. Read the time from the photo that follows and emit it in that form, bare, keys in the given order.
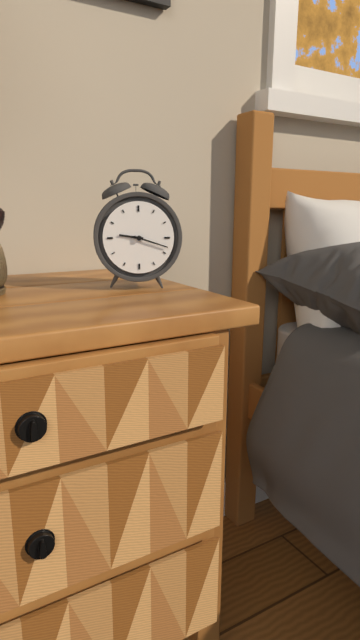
{"hour": 9, "minute": 18}
